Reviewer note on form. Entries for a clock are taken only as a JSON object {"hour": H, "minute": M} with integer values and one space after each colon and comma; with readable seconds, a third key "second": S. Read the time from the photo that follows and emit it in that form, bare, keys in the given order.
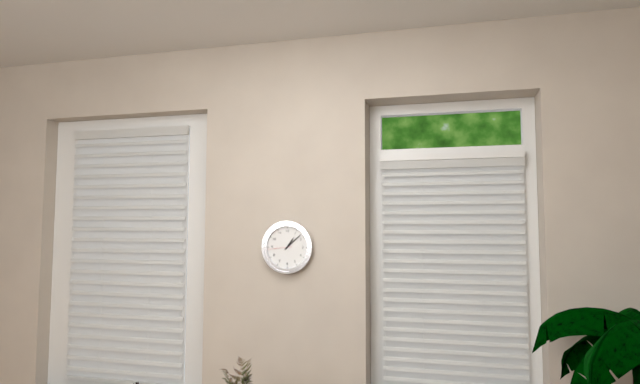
{"hour": 1, "minute": 8}
